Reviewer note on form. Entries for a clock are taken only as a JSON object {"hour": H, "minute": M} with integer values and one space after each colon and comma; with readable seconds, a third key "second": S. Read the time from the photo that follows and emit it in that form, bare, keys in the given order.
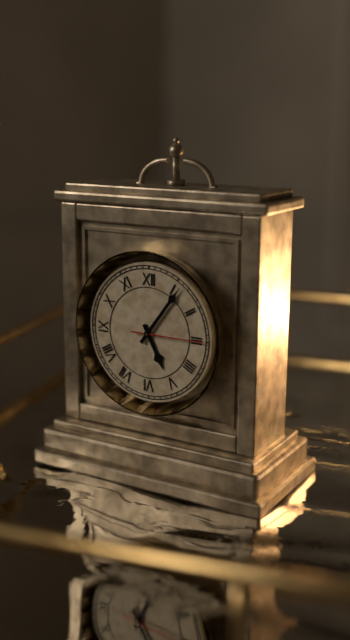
{"hour": 5, "minute": 6, "second": 15}
